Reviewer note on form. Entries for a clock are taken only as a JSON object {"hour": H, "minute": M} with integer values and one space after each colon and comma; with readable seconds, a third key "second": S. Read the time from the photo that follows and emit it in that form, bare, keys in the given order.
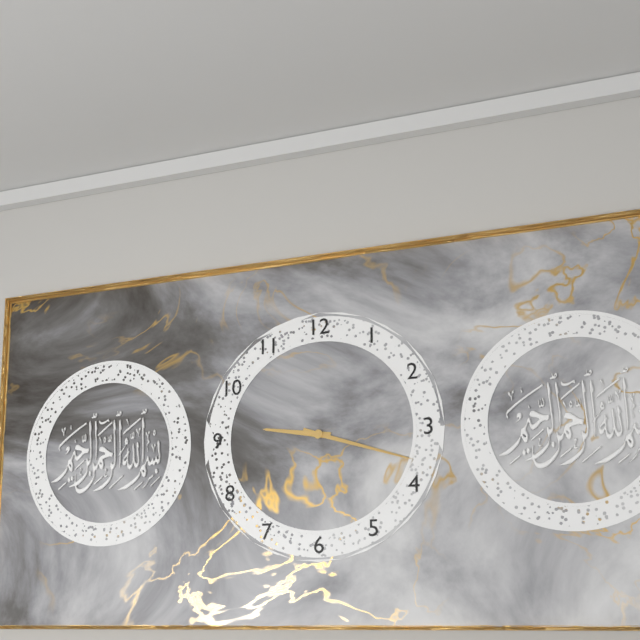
{"hour": 9, "minute": 18}
